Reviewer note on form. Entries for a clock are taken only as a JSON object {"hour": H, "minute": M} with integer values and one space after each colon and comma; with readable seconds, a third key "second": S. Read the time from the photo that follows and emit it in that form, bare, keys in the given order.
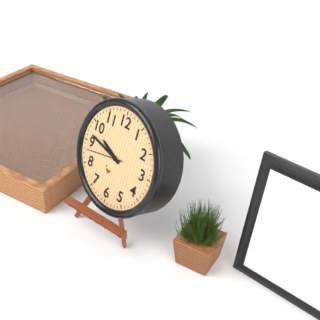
{"hour": 9, "minute": 47}
